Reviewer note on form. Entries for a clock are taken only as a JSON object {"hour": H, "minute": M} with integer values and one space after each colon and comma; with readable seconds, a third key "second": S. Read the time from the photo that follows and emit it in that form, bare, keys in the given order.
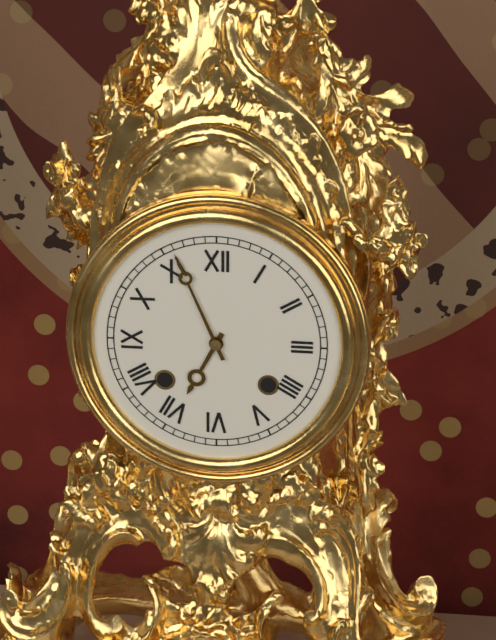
{"hour": 6, "minute": 56}
